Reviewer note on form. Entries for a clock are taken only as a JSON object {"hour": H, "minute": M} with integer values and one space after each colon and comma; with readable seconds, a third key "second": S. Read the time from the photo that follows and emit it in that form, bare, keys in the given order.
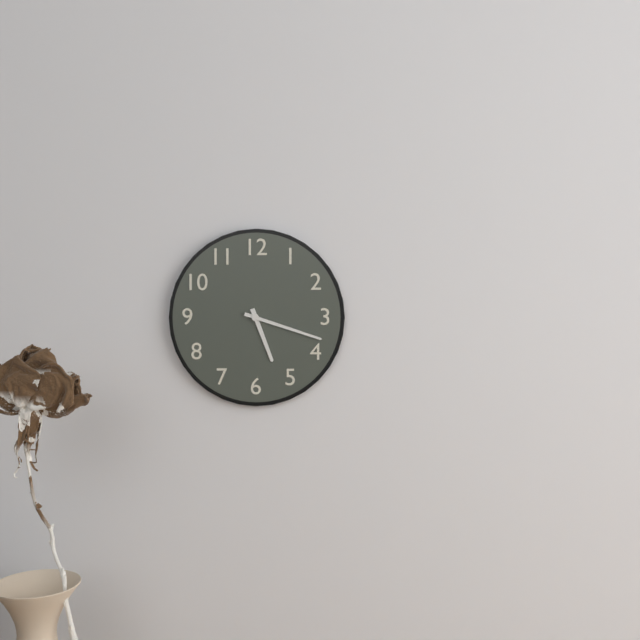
{"hour": 5, "minute": 18}
